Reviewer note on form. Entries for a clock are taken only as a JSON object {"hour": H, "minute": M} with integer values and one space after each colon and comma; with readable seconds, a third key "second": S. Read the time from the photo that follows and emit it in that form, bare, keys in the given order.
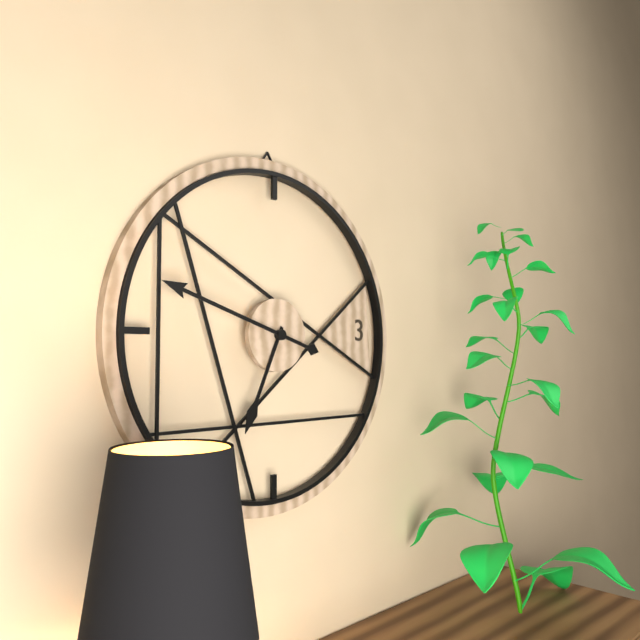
{"hour": 6, "minute": 48}
